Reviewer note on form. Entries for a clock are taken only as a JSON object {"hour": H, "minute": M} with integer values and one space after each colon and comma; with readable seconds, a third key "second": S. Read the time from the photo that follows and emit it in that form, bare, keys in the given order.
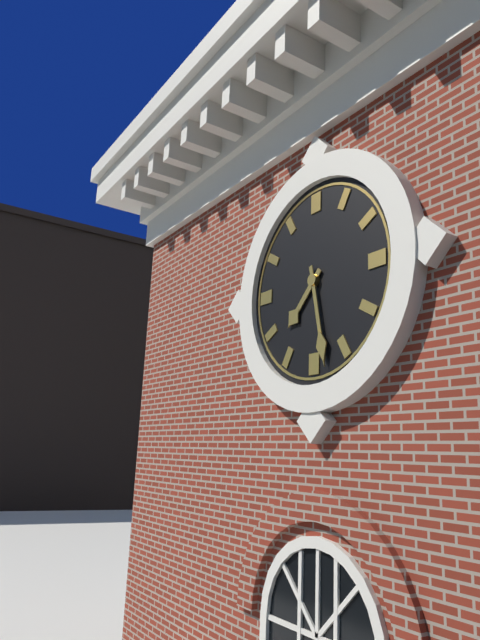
{"hour": 7, "minute": 28}
